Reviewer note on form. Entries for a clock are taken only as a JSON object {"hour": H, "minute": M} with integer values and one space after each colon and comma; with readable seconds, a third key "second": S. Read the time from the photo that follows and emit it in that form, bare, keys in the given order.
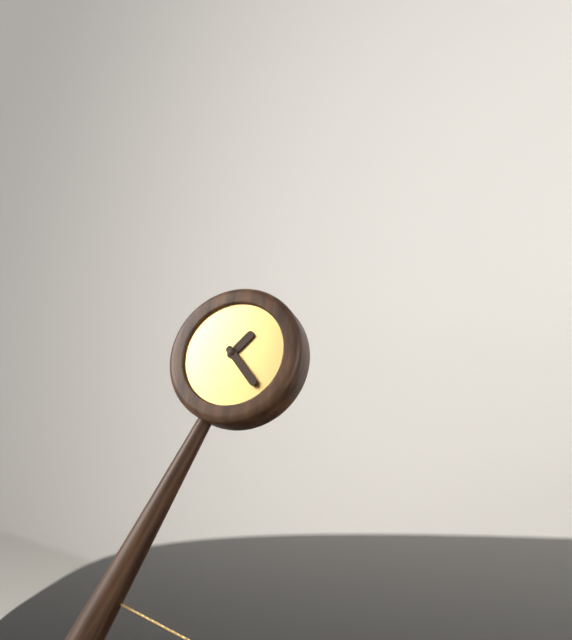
{"hour": 1, "minute": 23}
